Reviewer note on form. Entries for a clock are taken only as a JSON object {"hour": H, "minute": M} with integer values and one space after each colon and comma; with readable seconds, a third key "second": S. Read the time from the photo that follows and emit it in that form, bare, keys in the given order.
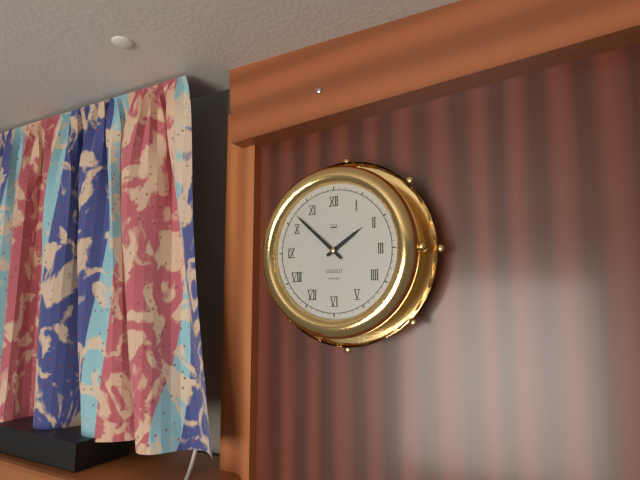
{"hour": 1, "minute": 52}
